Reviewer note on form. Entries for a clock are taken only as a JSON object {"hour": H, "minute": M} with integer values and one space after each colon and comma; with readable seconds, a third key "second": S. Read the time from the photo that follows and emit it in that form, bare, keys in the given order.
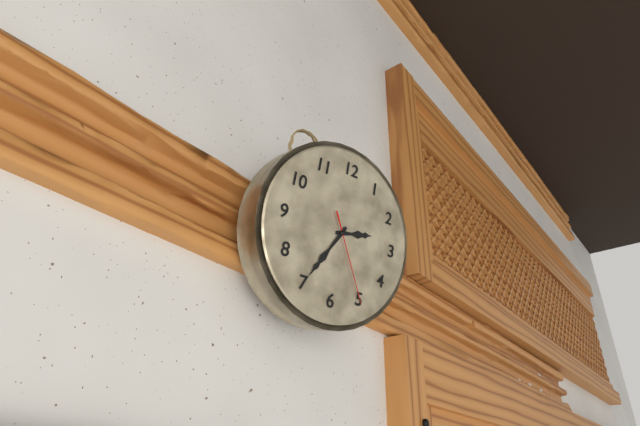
{"hour": 2, "minute": 35, "second": 25}
